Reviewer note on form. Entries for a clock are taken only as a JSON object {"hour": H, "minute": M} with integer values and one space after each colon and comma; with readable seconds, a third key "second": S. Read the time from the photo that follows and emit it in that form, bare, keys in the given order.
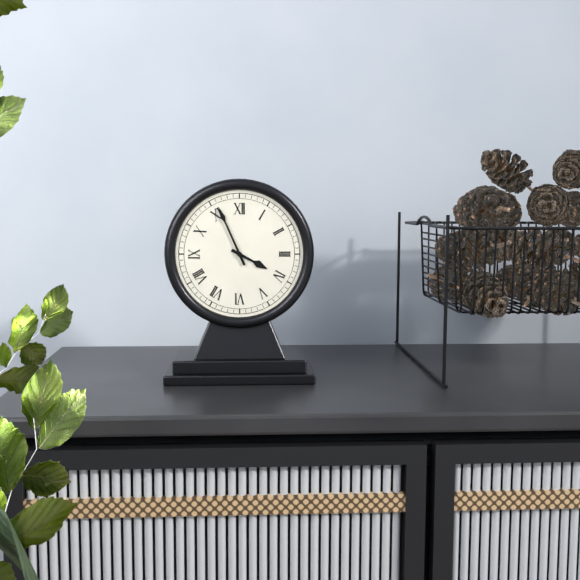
{"hour": 3, "minute": 56}
